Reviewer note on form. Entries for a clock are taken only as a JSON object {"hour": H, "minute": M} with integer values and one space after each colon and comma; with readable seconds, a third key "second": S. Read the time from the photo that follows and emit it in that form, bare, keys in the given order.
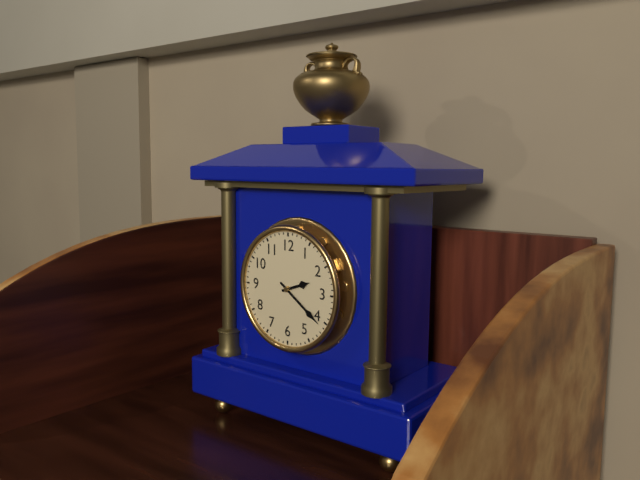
{"hour": 2, "minute": 21}
